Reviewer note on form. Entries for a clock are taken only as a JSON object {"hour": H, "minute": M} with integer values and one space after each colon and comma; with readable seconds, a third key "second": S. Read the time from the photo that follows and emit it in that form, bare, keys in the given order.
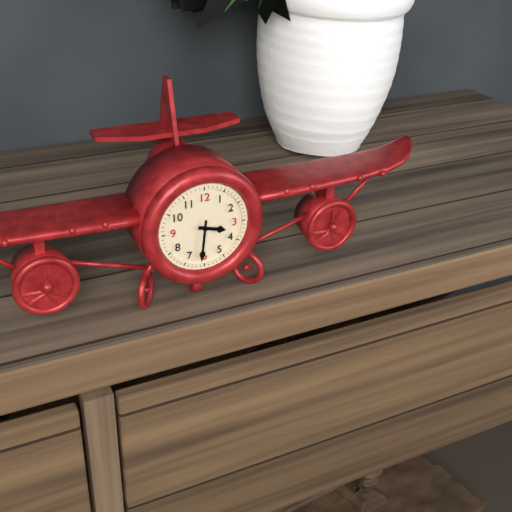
{"hour": 3, "minute": 31}
